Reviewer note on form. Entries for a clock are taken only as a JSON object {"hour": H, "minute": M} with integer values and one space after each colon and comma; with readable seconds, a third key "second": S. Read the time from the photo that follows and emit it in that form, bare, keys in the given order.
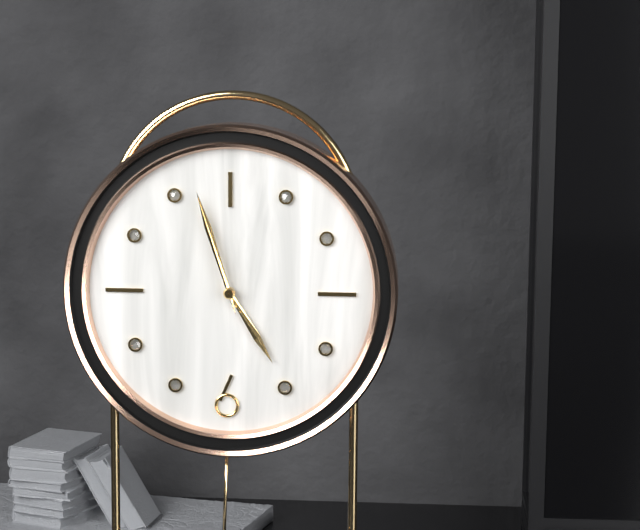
{"hour": 4, "minute": 57, "second": 57}
